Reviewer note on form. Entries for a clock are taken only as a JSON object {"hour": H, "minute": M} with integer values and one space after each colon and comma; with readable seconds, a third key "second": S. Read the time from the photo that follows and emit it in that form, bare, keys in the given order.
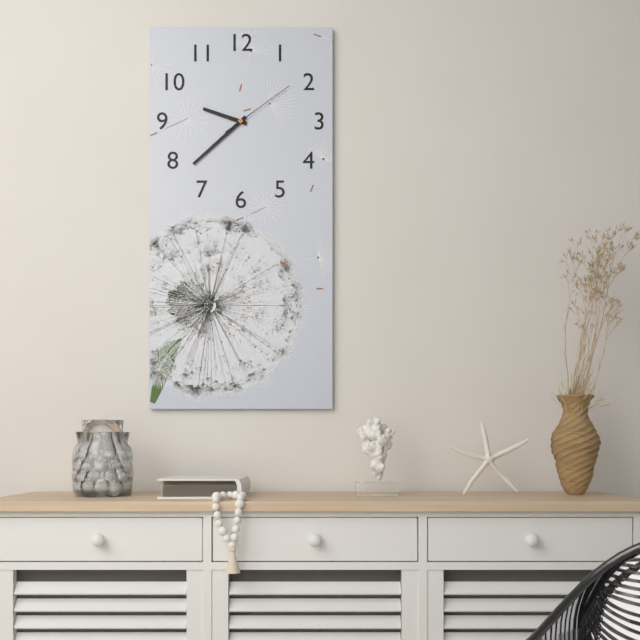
{"hour": 9, "minute": 38, "second": 9}
